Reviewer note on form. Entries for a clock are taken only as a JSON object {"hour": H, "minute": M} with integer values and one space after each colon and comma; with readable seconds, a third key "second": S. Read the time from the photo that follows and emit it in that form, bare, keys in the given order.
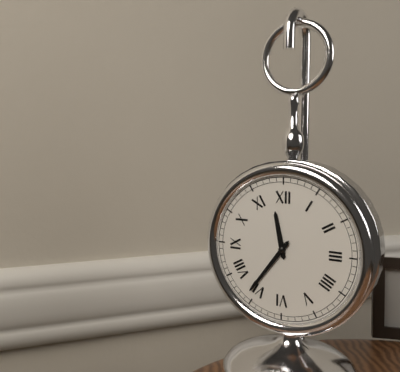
{"hour": 11, "minute": 36}
